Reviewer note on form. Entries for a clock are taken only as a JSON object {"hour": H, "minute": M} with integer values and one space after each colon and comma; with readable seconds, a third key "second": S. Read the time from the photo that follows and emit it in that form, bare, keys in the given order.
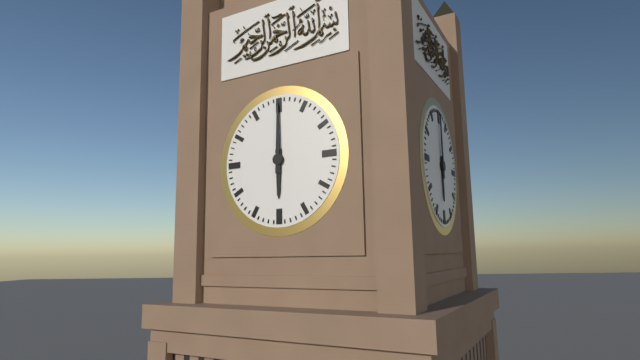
{"hour": 6, "minute": 0}
